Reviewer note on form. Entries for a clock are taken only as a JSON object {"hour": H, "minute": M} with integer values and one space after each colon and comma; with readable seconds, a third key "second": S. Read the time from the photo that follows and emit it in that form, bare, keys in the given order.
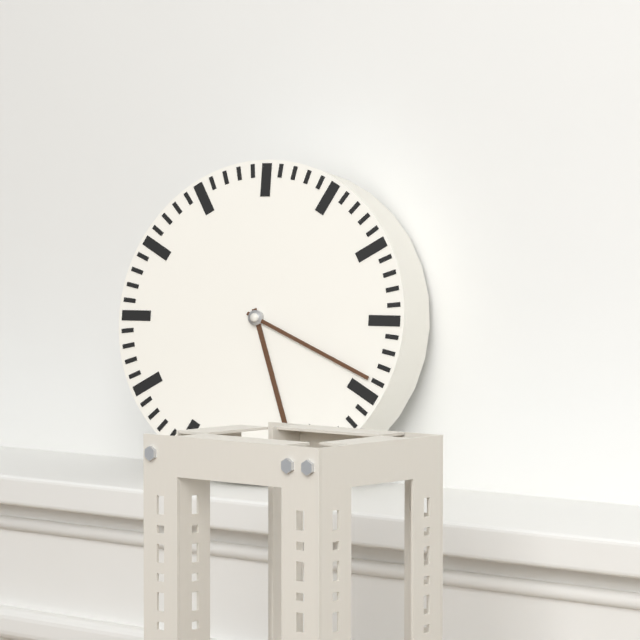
{"hour": 5, "minute": 19}
